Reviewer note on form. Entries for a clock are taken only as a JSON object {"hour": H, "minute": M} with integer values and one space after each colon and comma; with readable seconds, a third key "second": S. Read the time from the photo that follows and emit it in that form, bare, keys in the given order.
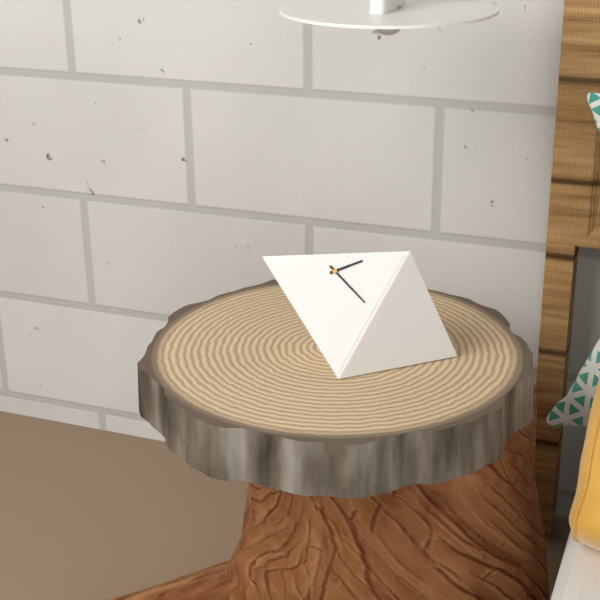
{"hour": 2, "minute": 23}
